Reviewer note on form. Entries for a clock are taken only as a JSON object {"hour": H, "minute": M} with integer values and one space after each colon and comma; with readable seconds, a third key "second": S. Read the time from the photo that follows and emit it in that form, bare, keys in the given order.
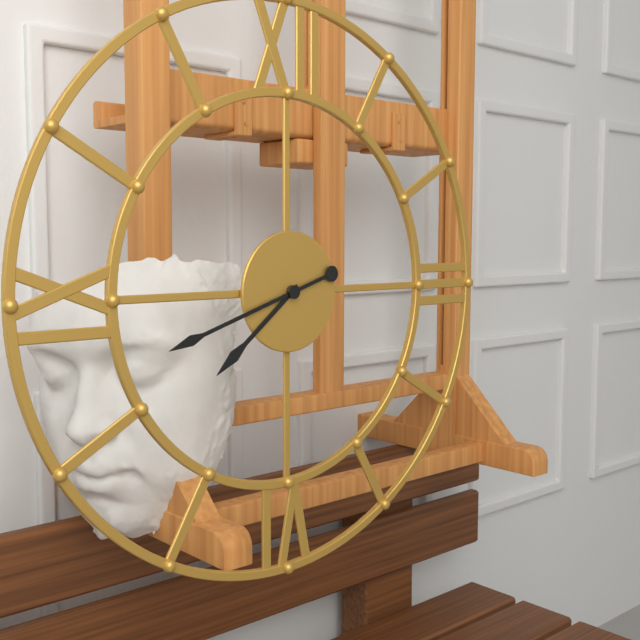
{"hour": 7, "minute": 42}
